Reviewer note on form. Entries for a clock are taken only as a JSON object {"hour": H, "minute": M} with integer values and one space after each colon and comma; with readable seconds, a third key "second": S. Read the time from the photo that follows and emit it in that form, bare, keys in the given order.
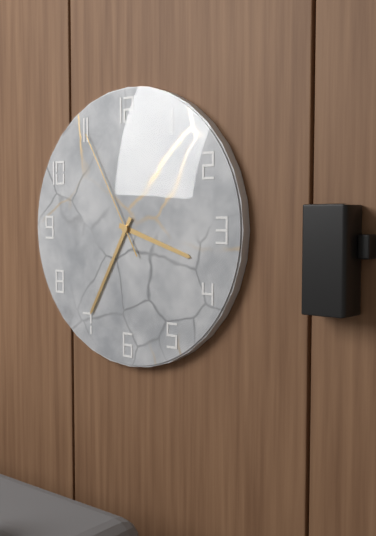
{"hour": 3, "minute": 35, "second": 55}
